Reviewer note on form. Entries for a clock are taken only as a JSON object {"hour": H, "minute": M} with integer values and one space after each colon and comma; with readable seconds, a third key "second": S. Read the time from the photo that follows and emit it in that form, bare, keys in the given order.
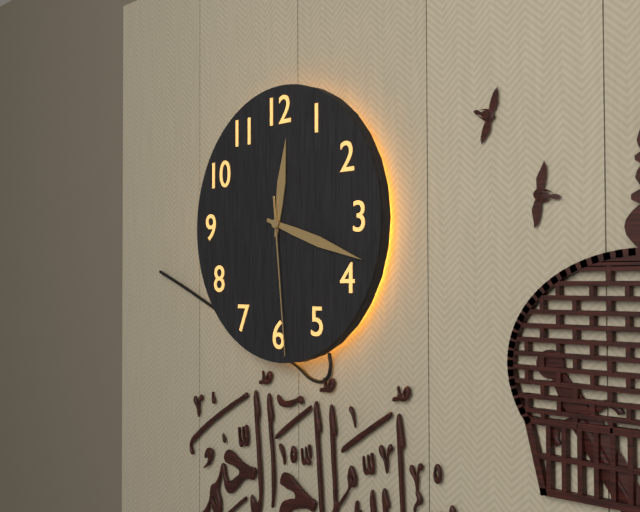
{"hour": 12, "minute": 18, "second": 29}
